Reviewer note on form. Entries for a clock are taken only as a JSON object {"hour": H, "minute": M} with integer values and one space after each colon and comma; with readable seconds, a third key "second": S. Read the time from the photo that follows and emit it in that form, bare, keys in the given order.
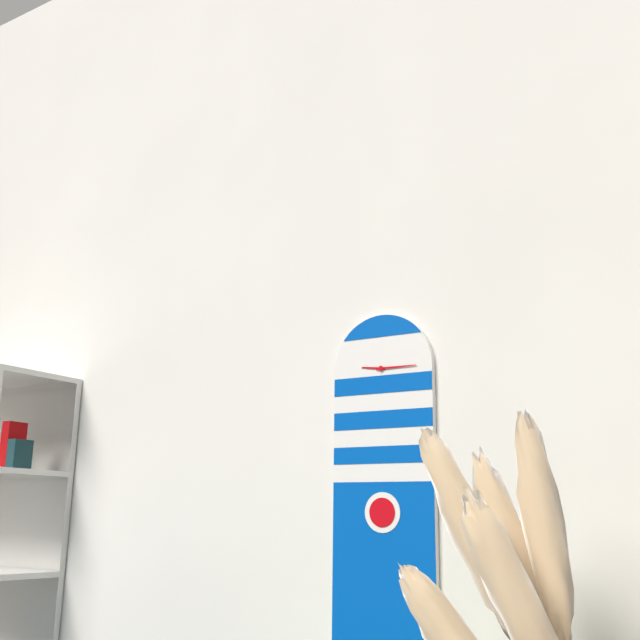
{"hour": 9, "minute": 15}
